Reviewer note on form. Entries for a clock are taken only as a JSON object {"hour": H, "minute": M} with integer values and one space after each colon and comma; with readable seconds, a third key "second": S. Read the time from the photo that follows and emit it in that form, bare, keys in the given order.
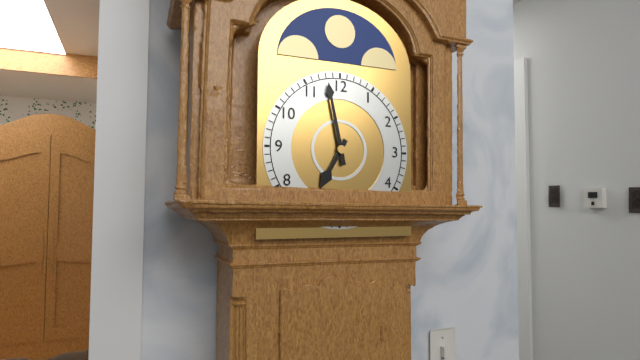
{"hour": 6, "minute": 58}
